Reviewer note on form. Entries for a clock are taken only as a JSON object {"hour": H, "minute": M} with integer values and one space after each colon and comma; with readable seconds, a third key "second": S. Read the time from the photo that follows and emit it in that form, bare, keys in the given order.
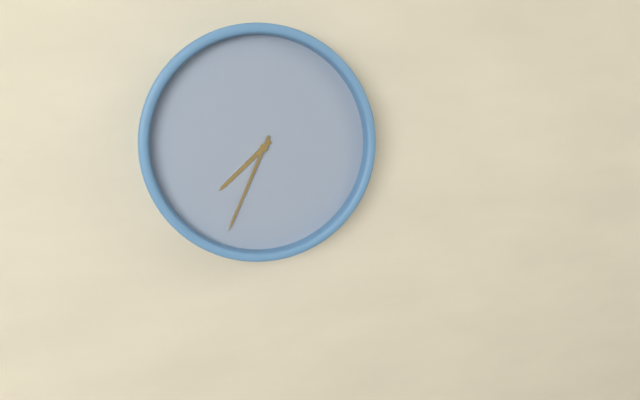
{"hour": 7, "minute": 34}
